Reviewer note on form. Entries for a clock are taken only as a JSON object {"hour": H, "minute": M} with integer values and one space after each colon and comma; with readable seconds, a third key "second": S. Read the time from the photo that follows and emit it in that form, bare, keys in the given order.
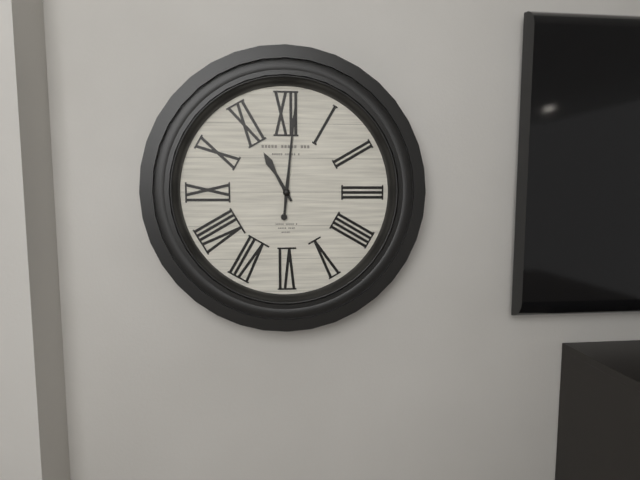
{"hour": 11, "minute": 1}
